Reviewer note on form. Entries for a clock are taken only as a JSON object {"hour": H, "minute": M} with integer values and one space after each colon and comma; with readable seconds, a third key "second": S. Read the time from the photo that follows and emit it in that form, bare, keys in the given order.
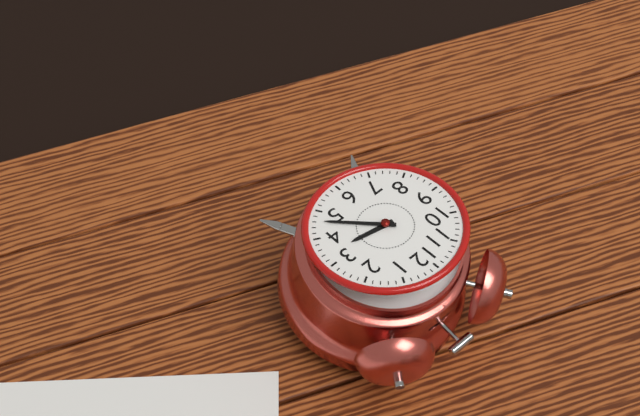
{"hour": 3, "minute": 23}
